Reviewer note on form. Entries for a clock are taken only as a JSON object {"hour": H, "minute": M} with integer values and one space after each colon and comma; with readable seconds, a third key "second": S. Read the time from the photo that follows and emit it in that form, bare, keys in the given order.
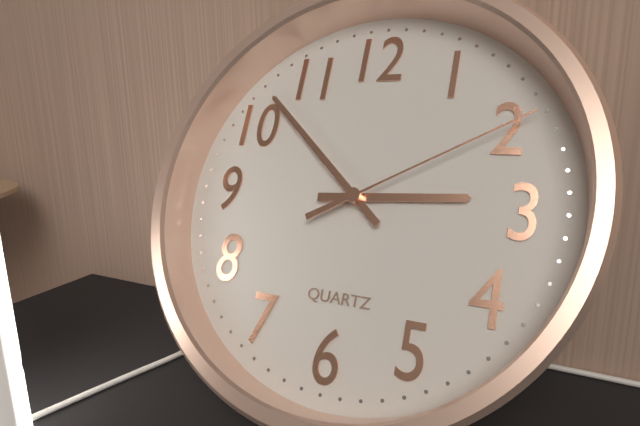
{"hour": 2, "minute": 52, "second": 10}
